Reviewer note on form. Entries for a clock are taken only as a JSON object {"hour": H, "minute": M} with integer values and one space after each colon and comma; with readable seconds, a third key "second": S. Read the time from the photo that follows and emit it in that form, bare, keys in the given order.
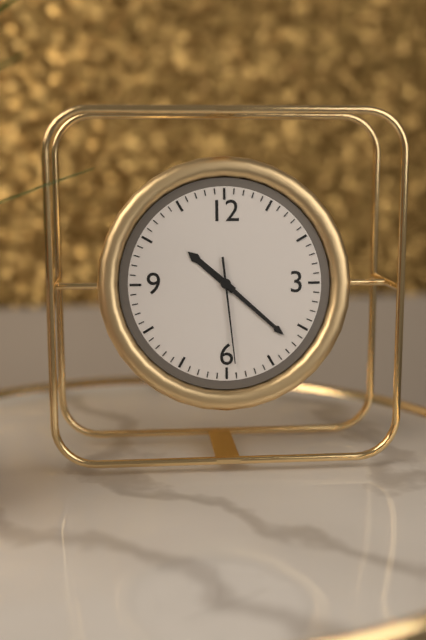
{"hour": 10, "minute": 22, "second": 29}
